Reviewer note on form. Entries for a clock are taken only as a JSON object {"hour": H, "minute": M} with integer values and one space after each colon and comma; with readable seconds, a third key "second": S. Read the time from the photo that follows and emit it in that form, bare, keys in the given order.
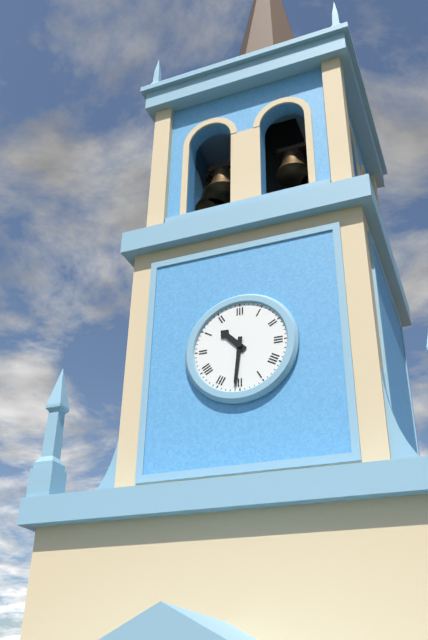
{"hour": 10, "minute": 31}
